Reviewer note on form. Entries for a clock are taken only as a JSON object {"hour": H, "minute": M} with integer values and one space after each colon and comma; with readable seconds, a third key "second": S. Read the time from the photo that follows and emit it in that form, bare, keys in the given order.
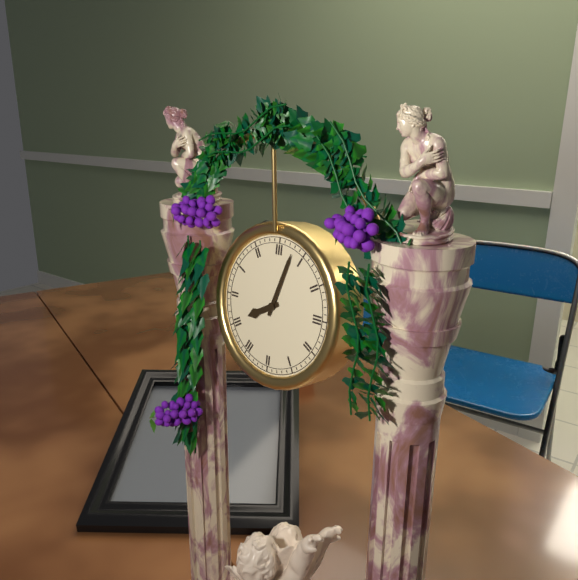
{"hour": 8, "minute": 3}
